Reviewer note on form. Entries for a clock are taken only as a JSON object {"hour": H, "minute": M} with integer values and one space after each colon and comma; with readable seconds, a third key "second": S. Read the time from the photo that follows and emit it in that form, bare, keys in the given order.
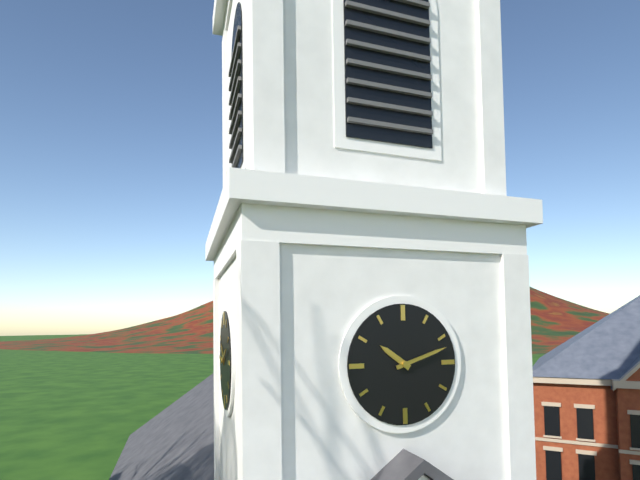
{"hour": 10, "minute": 12}
